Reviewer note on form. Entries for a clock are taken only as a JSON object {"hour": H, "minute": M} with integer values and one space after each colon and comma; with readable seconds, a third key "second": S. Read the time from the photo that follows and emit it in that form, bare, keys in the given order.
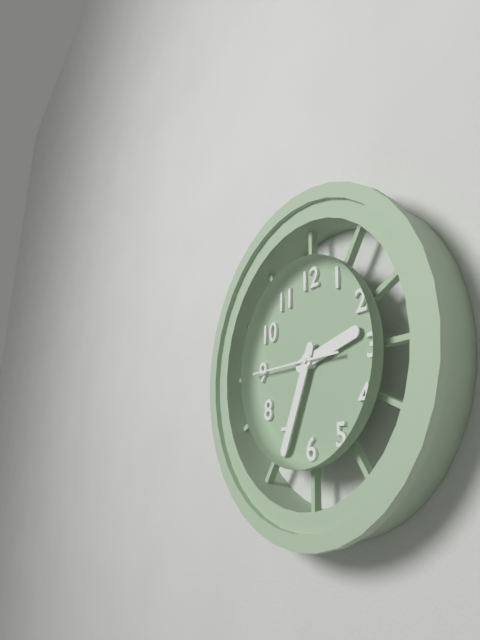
{"hour": 2, "minute": 34, "second": 45}
